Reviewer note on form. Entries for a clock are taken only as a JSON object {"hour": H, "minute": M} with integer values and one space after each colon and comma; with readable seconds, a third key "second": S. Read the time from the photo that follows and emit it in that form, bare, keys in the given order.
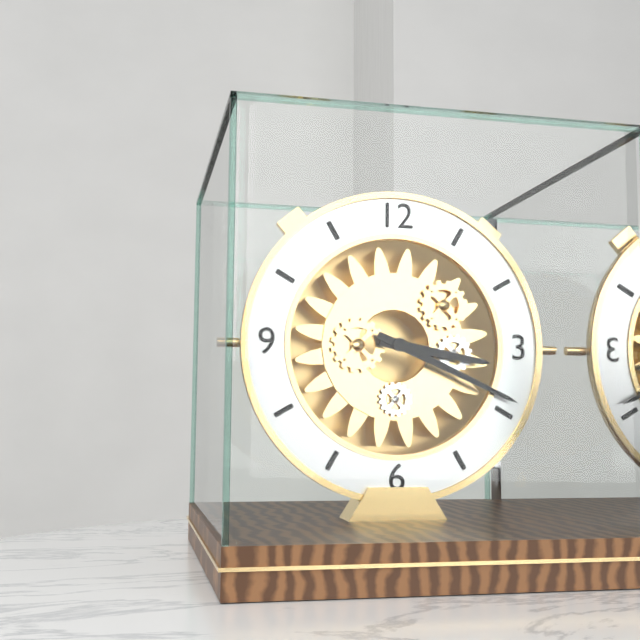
{"hour": 3, "minute": 19}
